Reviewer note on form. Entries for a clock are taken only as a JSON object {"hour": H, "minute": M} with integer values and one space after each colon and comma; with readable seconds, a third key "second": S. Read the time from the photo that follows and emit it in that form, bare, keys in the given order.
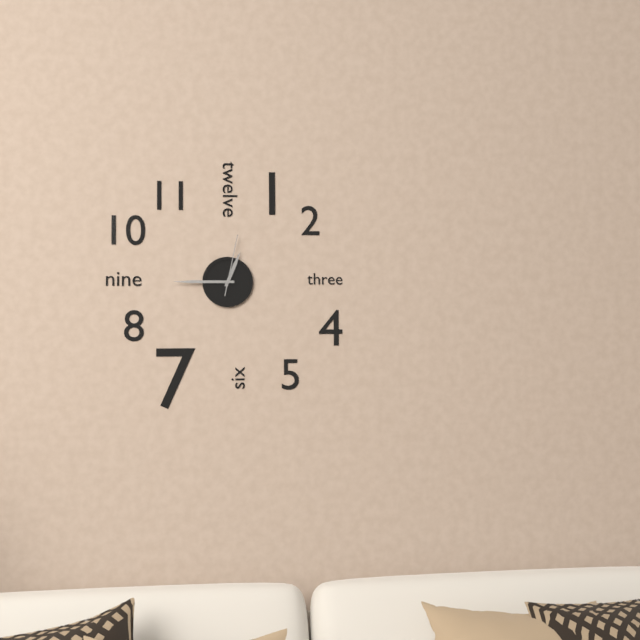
{"hour": 12, "minute": 45, "second": 2}
